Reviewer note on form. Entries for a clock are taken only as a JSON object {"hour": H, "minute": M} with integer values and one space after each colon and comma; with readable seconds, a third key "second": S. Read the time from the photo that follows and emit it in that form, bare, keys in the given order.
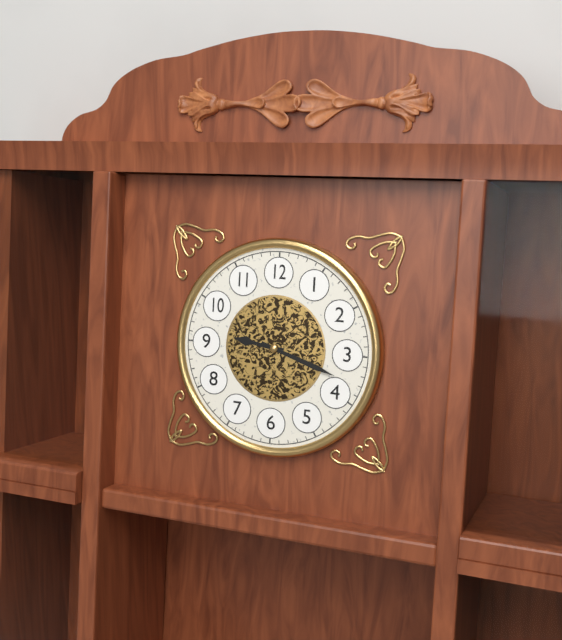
{"hour": 9, "minute": 18}
